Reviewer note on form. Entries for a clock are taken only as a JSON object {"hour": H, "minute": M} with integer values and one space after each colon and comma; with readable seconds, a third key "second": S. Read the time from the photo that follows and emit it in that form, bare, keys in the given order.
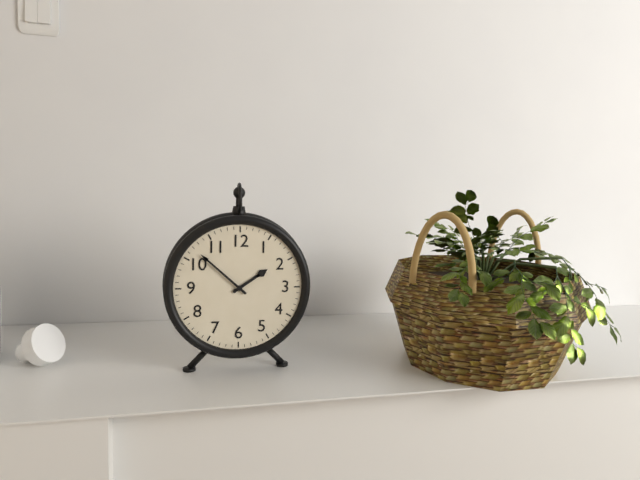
{"hour": 1, "minute": 52}
